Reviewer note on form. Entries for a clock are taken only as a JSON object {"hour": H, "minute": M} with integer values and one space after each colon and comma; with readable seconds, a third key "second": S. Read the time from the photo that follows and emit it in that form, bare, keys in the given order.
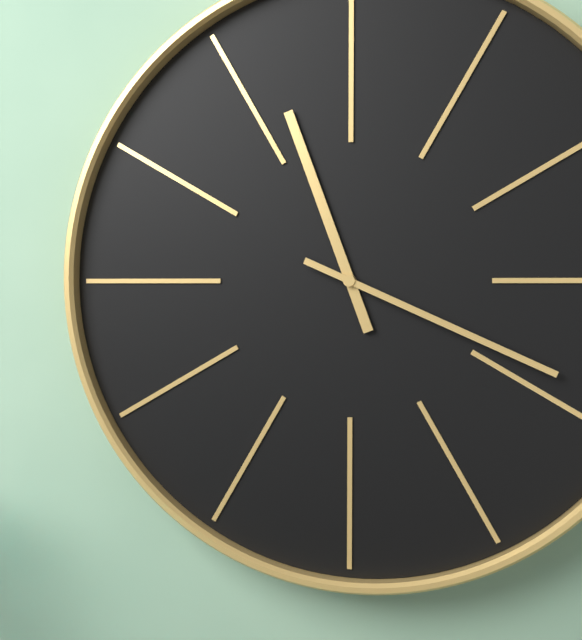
{"hour": 11, "minute": 19}
